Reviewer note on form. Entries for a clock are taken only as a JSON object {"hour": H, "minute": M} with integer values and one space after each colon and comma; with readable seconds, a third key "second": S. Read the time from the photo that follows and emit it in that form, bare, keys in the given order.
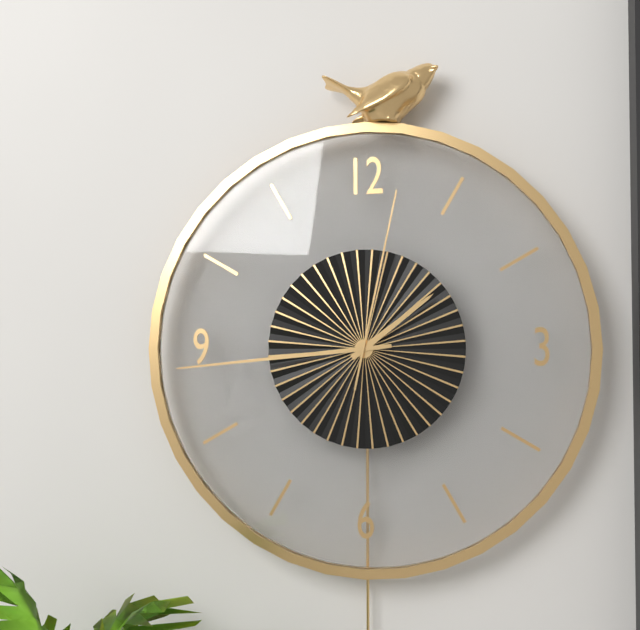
{"hour": 1, "minute": 44, "second": 2}
